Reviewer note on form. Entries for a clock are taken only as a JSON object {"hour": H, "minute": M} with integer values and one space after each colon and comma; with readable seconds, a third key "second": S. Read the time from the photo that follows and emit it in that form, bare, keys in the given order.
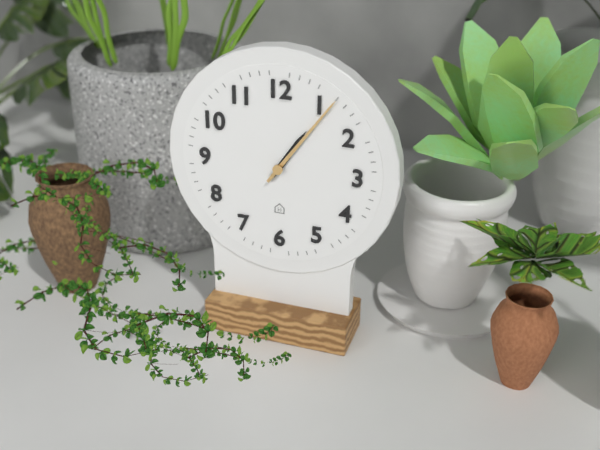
{"hour": 1, "minute": 6}
